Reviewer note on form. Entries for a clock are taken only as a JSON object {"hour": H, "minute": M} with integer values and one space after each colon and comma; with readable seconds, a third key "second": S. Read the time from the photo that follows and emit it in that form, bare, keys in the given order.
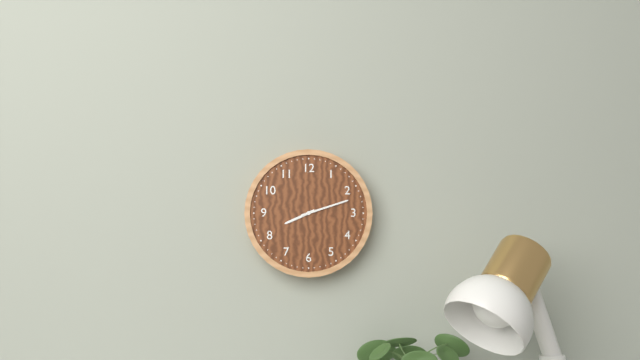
{"hour": 8, "minute": 12}
